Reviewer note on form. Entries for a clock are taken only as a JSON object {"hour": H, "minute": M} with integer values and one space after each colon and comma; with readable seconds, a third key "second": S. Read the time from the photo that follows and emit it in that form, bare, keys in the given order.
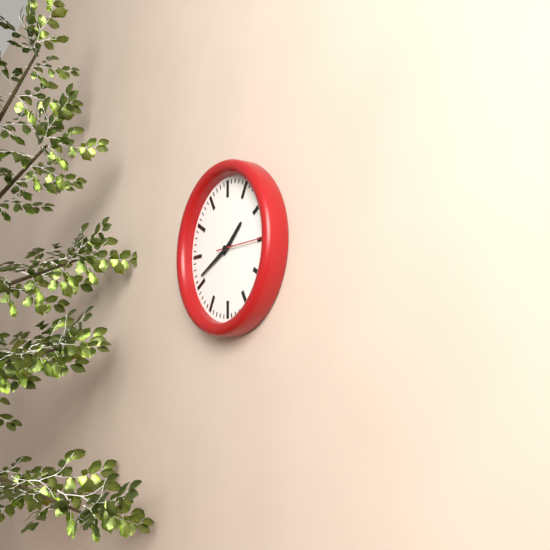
{"hour": 1, "minute": 41}
